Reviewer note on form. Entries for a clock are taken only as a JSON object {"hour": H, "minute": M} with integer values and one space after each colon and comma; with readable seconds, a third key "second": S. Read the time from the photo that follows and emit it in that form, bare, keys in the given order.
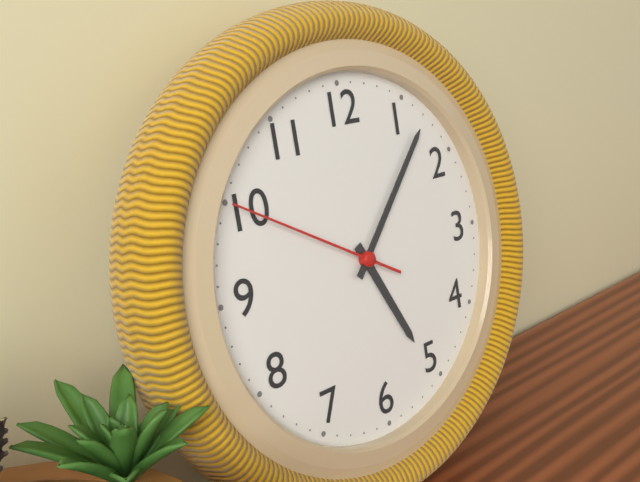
{"hour": 5, "minute": 7, "second": 50}
